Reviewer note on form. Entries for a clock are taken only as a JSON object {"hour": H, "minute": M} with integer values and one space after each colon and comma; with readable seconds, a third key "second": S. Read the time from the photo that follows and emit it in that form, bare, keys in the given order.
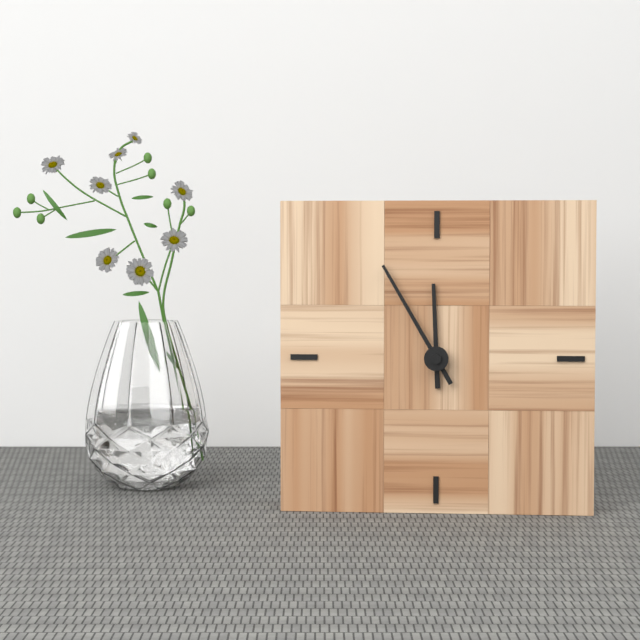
{"hour": 11, "minute": 55}
